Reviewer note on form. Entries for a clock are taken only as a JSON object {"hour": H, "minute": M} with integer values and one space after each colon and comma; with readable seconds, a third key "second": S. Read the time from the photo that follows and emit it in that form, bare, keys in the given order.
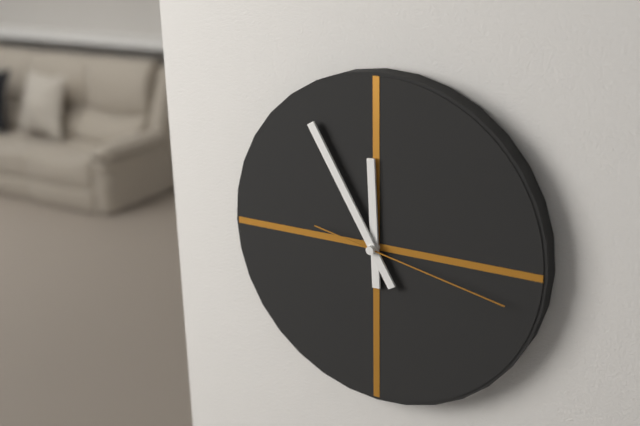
{"hour": 11, "minute": 55, "second": 17}
